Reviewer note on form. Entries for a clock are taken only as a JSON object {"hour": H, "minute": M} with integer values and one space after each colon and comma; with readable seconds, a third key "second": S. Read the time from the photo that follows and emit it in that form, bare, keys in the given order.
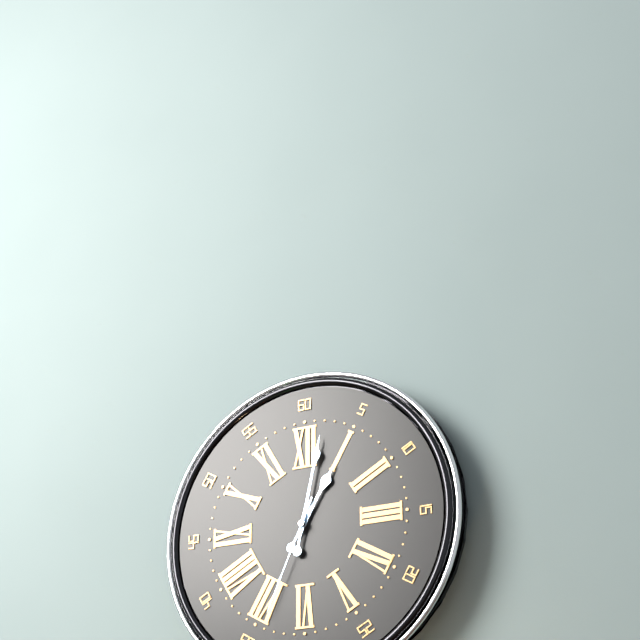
{"hour": 1, "minute": 2, "second": 34}
